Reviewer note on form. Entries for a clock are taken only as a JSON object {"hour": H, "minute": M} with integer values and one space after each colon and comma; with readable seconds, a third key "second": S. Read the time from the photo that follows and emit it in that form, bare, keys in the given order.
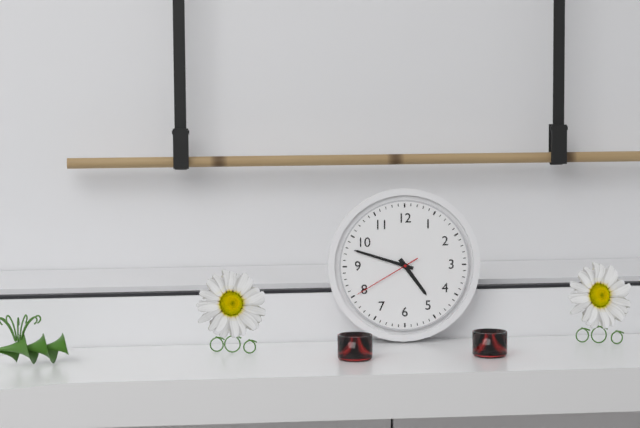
{"hour": 4, "minute": 48, "second": 40}
